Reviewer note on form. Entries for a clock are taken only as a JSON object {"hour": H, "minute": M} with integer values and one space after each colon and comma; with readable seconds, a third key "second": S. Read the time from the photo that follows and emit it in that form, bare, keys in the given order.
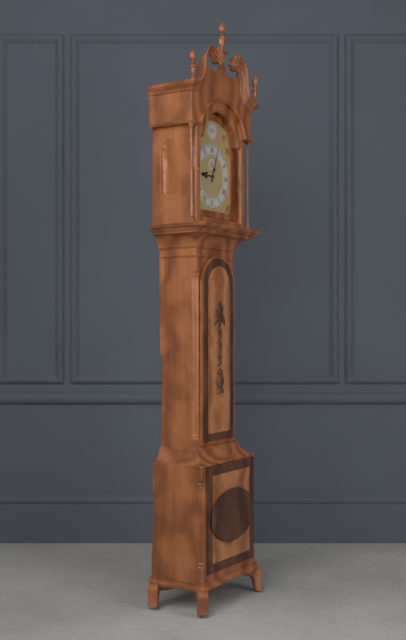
{"hour": 9, "minute": 3}
